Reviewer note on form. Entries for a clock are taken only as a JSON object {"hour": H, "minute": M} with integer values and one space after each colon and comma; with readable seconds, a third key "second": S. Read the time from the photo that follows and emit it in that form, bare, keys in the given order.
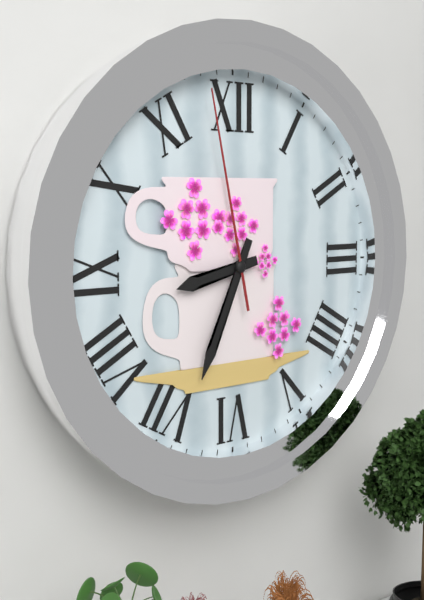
{"hour": 8, "minute": 34, "second": 58}
